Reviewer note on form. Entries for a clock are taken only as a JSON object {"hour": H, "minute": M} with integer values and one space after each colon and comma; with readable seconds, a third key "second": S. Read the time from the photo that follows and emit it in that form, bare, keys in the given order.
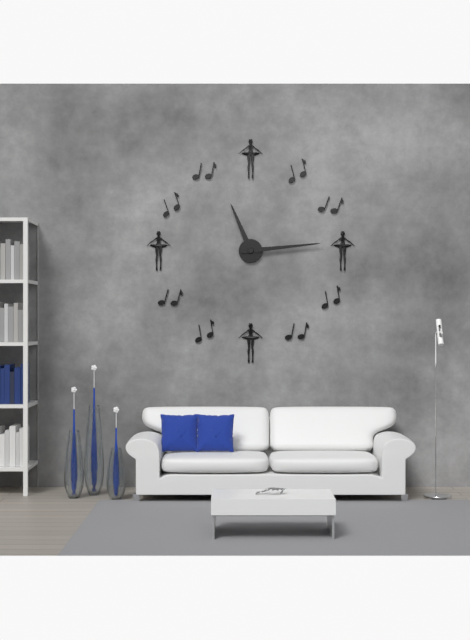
{"hour": 11, "minute": 14}
